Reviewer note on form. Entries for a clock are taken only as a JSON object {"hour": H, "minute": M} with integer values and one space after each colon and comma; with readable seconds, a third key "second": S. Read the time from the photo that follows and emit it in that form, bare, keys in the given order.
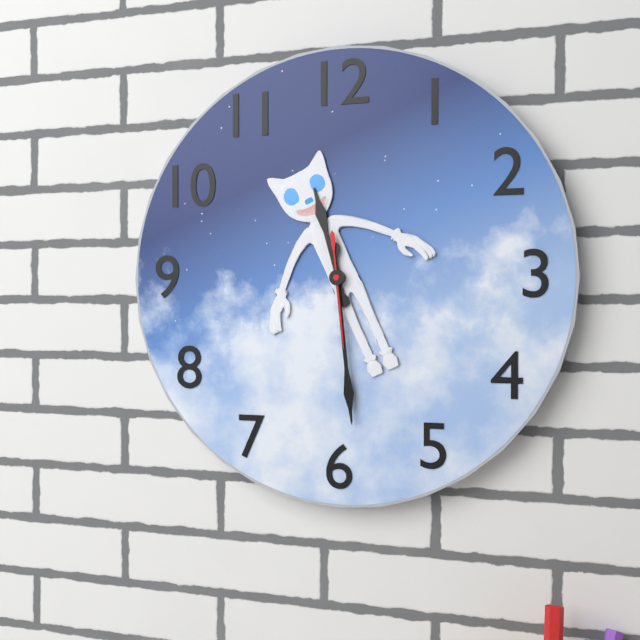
{"hour": 11, "minute": 29, "second": 29}
